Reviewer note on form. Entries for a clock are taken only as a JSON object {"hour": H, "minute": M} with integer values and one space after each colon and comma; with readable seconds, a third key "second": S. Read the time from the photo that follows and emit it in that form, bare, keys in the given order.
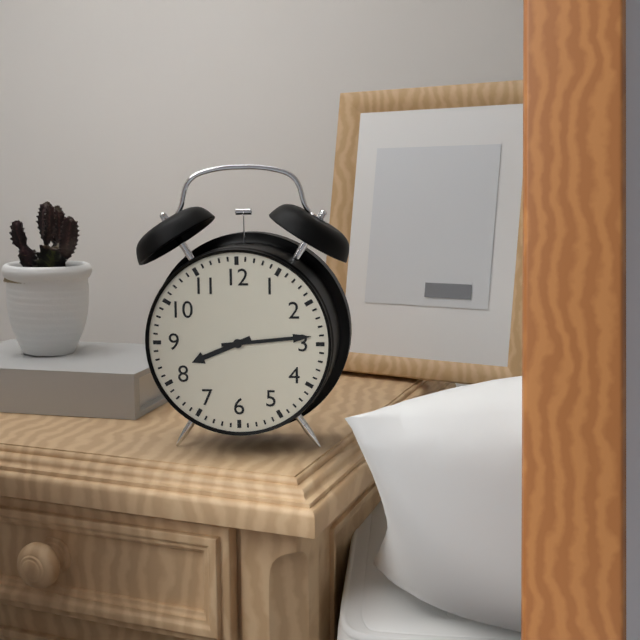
{"hour": 8, "minute": 14}
